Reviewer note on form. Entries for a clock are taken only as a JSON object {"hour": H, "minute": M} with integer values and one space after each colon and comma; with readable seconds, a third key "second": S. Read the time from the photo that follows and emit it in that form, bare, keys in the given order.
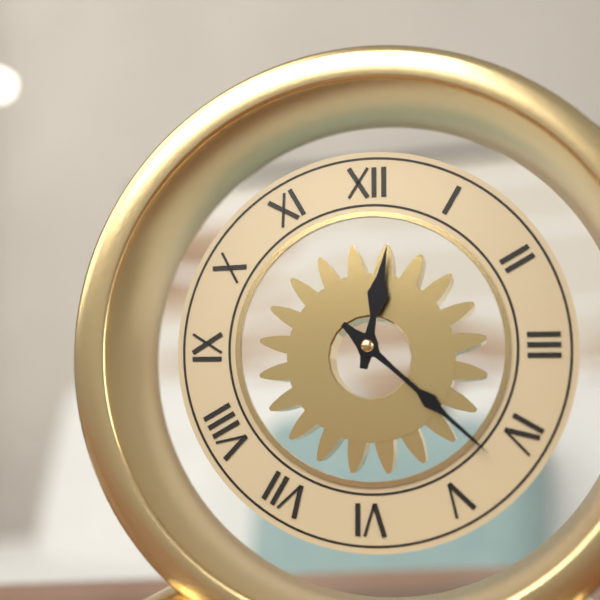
{"hour": 12, "minute": 22}
